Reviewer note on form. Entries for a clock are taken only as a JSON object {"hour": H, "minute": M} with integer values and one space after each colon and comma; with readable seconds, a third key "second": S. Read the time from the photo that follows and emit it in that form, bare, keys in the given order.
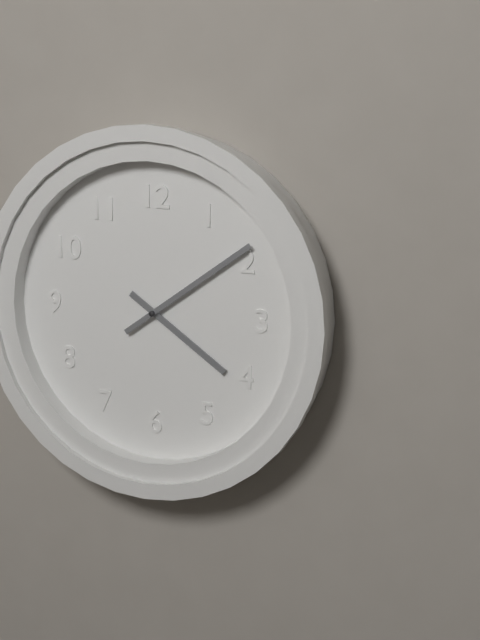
{"hour": 4, "minute": 9}
